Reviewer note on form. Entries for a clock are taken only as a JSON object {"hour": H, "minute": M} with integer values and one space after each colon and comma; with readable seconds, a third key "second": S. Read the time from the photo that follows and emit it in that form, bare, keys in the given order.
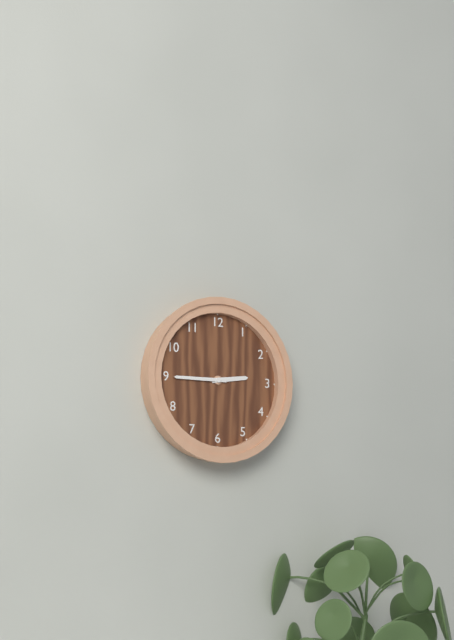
{"hour": 2, "minute": 45}
